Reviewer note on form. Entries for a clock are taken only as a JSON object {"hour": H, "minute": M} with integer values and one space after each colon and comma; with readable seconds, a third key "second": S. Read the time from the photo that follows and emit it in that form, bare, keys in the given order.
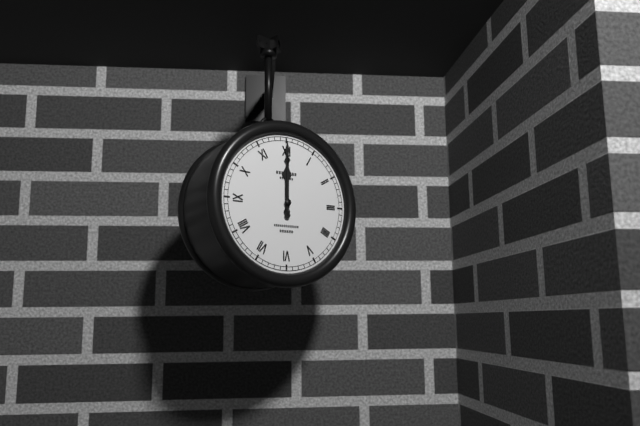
{"hour": 12, "minute": 0}
